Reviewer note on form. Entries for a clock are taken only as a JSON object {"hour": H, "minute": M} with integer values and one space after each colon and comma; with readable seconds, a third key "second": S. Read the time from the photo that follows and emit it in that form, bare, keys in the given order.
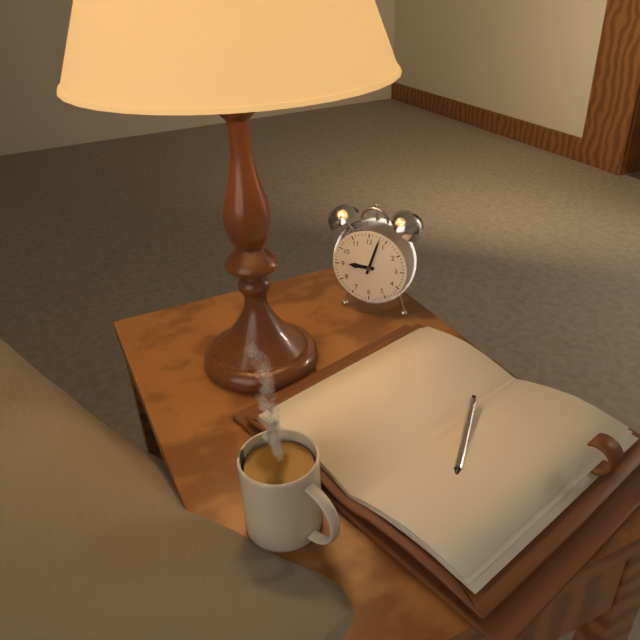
{"hour": 9, "minute": 3}
